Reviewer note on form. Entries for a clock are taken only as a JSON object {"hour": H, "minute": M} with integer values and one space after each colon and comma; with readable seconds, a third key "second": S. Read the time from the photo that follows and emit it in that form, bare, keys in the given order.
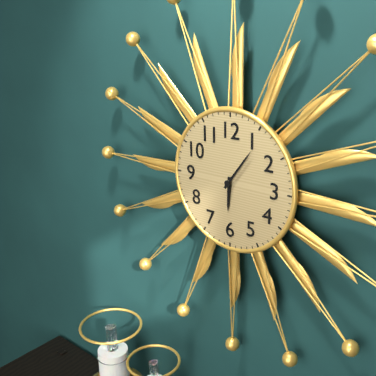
{"hour": 6, "minute": 6}
